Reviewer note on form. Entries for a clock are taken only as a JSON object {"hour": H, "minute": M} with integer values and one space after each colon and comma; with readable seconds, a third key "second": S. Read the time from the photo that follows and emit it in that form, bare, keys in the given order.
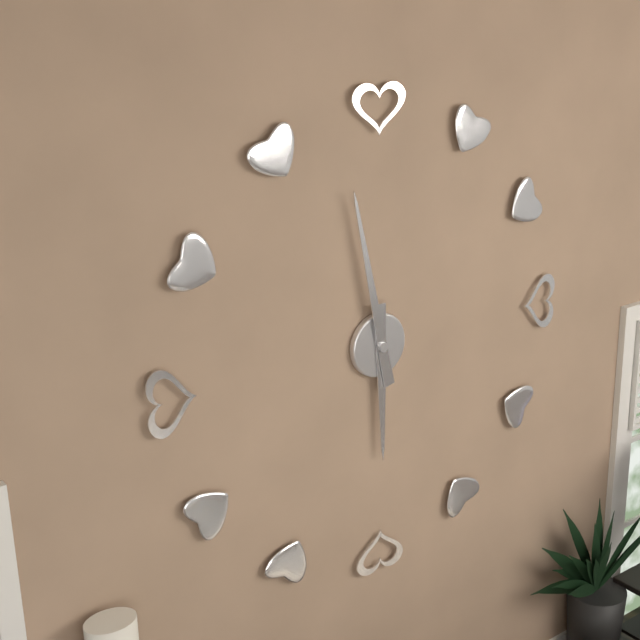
{"hour": 5, "minute": 58}
